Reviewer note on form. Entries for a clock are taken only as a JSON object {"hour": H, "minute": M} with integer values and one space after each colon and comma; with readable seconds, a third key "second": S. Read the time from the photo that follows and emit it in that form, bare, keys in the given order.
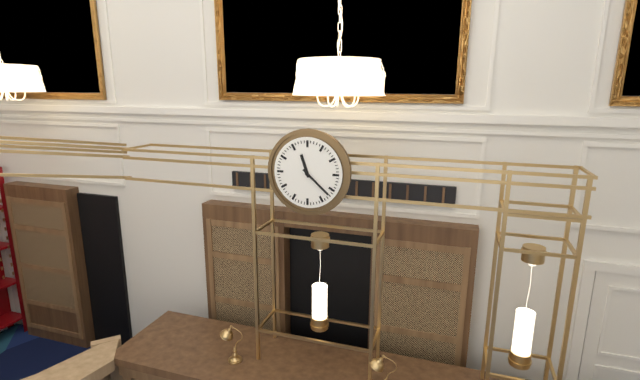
{"hour": 11, "minute": 22}
